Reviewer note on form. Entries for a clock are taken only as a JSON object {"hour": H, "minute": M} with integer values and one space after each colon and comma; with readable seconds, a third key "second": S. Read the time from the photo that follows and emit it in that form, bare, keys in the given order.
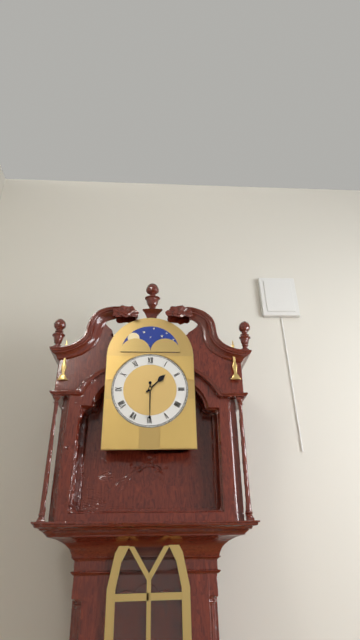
{"hour": 1, "minute": 30}
